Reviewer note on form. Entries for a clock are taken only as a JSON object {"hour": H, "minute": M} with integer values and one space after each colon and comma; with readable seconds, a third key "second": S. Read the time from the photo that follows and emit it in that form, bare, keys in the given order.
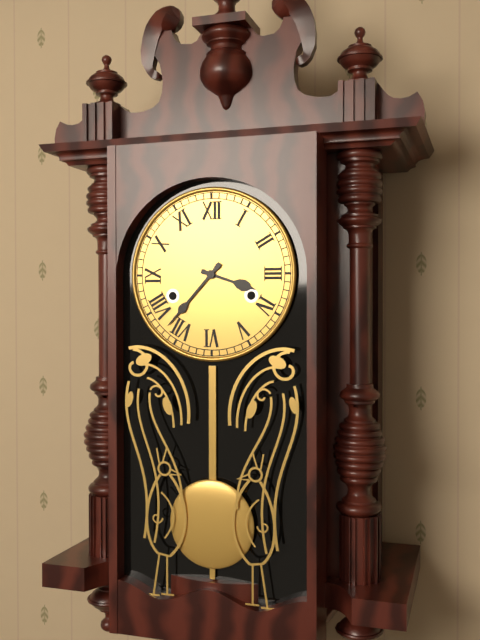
{"hour": 3, "minute": 37}
